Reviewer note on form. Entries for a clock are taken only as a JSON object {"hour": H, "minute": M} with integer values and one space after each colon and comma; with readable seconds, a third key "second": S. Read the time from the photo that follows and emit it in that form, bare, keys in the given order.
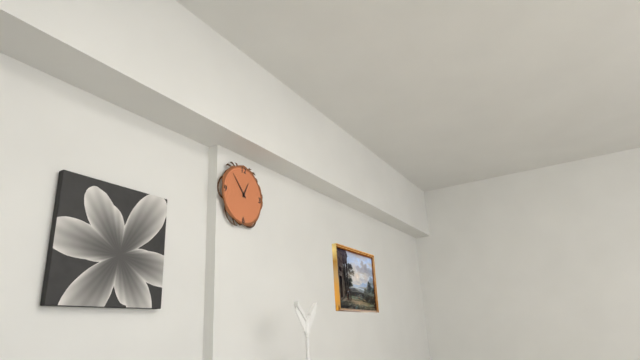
{"hour": 12, "minute": 53}
